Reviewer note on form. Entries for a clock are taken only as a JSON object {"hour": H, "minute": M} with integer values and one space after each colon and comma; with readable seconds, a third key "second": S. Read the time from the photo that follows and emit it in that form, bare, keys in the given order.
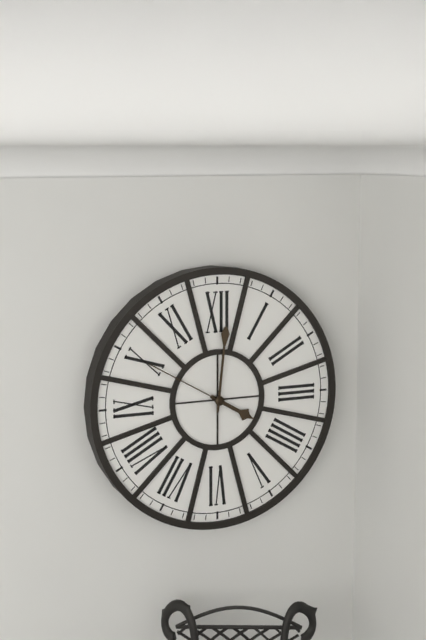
{"hour": 4, "minute": 1, "second": 50}
